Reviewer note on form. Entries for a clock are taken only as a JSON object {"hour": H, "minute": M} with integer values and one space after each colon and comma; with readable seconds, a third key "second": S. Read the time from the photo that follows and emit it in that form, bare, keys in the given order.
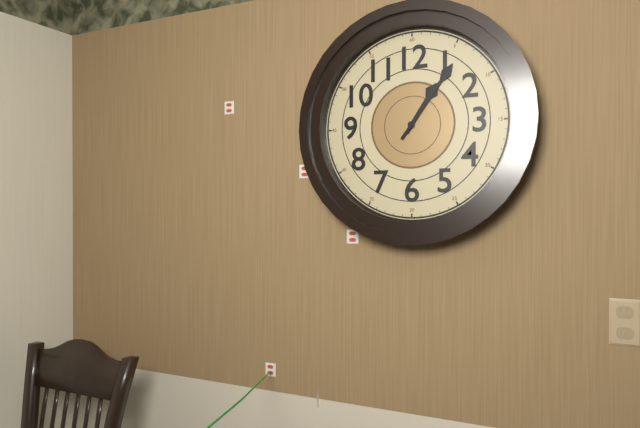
{"hour": 1, "minute": 6}
